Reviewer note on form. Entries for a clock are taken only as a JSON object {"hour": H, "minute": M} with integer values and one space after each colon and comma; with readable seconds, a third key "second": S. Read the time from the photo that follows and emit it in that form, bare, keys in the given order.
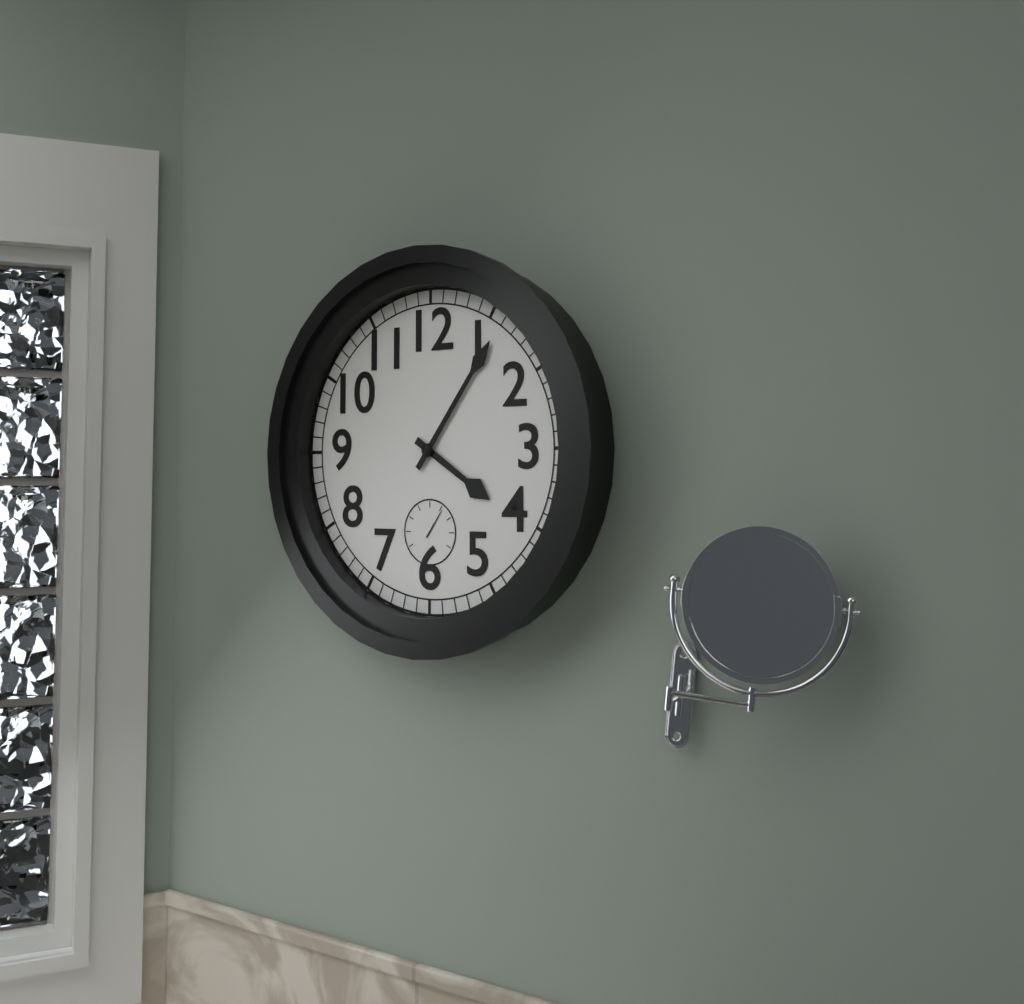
{"hour": 4, "minute": 6}
